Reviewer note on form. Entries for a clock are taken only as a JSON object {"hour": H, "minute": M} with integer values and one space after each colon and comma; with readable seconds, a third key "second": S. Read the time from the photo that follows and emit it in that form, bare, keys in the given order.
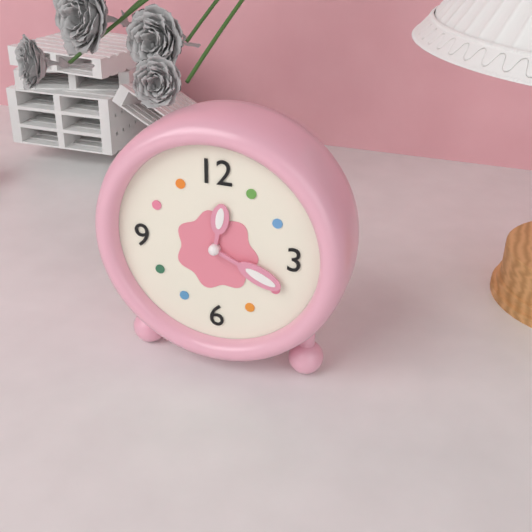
{"hour": 12, "minute": 19}
